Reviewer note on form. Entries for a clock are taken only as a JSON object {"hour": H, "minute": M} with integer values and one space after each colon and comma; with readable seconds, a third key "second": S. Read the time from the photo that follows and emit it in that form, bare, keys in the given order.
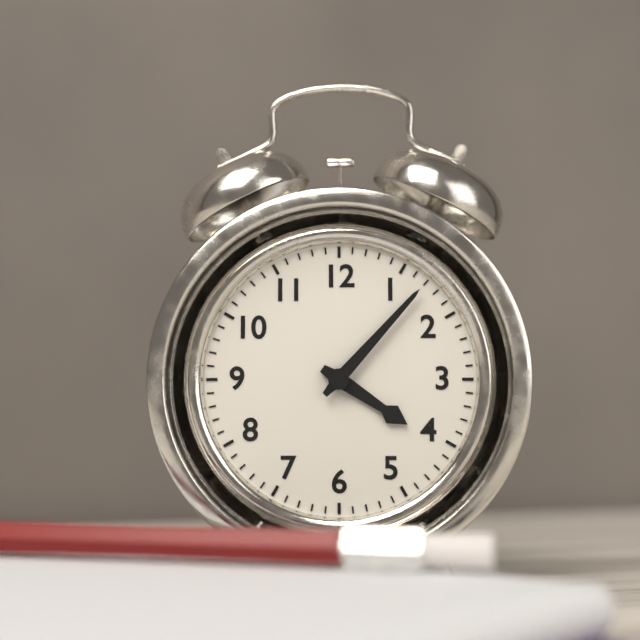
{"hour": 4, "minute": 7}
